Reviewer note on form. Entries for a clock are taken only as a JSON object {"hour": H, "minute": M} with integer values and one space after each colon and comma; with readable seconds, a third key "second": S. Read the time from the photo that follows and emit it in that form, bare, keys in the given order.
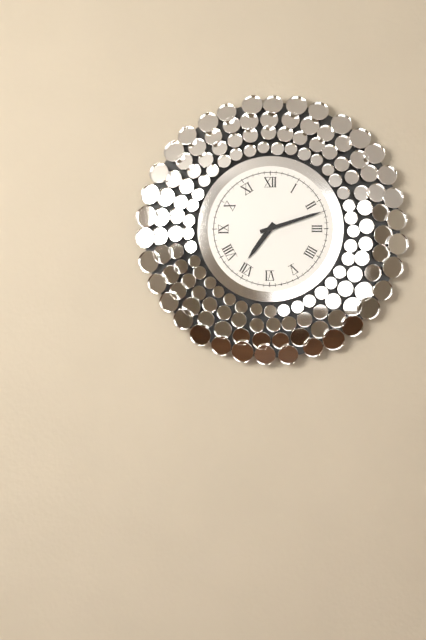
{"hour": 7, "minute": 12}
